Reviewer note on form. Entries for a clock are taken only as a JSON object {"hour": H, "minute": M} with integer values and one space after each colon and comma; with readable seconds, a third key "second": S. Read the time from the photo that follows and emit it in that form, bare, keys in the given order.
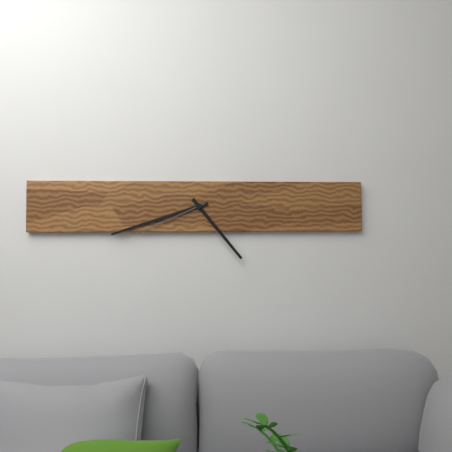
{"hour": 4, "minute": 42, "second": 41}
